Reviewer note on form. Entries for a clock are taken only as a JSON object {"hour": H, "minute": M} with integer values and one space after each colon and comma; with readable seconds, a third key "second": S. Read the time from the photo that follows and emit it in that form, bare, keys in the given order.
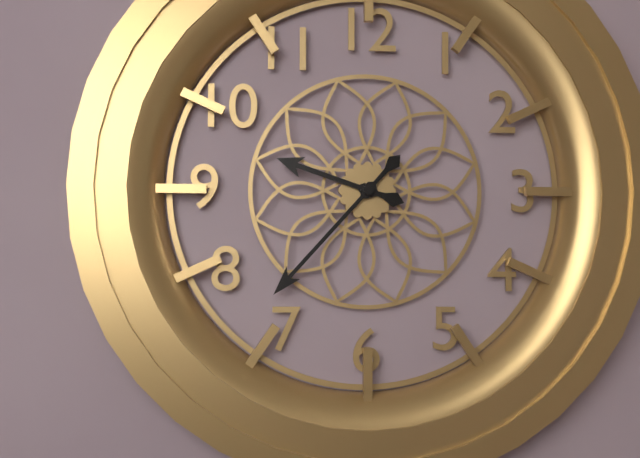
{"hour": 9, "minute": 37}
